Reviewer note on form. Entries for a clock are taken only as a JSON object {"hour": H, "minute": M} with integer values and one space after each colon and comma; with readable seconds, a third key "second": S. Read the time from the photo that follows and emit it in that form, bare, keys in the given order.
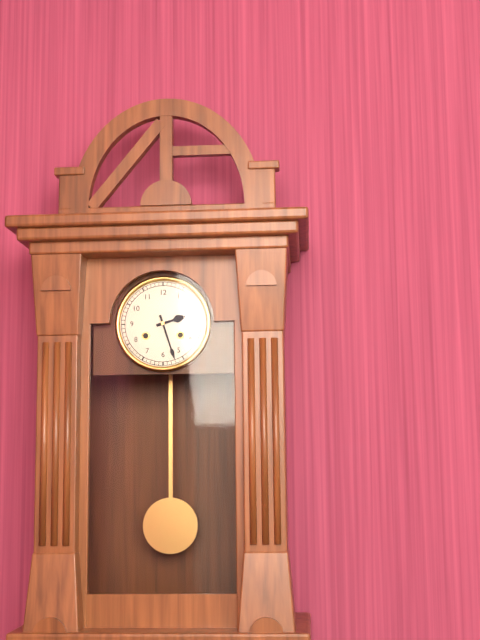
{"hour": 2, "minute": 27}
